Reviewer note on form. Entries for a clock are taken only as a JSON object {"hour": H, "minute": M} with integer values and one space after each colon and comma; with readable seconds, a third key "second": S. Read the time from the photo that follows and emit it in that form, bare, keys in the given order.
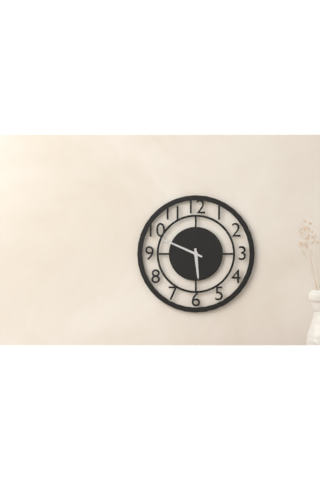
{"hour": 5, "minute": 49}
